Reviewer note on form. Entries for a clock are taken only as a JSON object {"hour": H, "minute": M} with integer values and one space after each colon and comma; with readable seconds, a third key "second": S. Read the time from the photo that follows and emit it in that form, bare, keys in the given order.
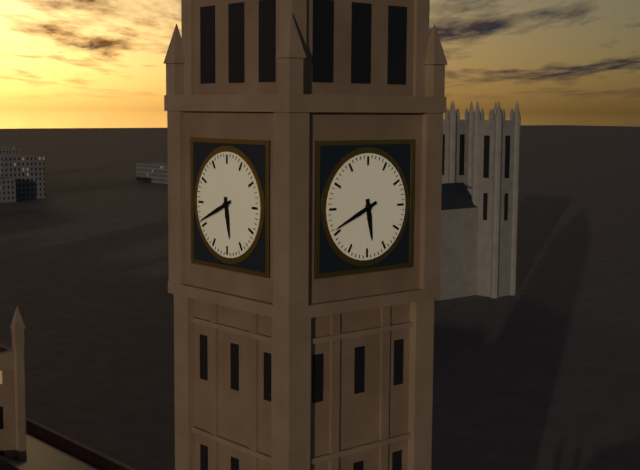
{"hour": 5, "minute": 41}
